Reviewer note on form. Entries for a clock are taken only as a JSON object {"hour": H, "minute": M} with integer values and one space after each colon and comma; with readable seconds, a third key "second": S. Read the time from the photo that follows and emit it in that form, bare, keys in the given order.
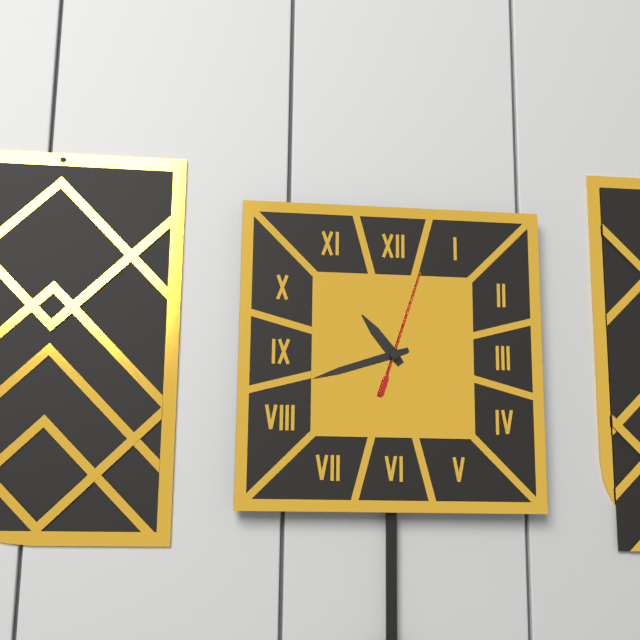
{"hour": 10, "minute": 42, "second": 3}
